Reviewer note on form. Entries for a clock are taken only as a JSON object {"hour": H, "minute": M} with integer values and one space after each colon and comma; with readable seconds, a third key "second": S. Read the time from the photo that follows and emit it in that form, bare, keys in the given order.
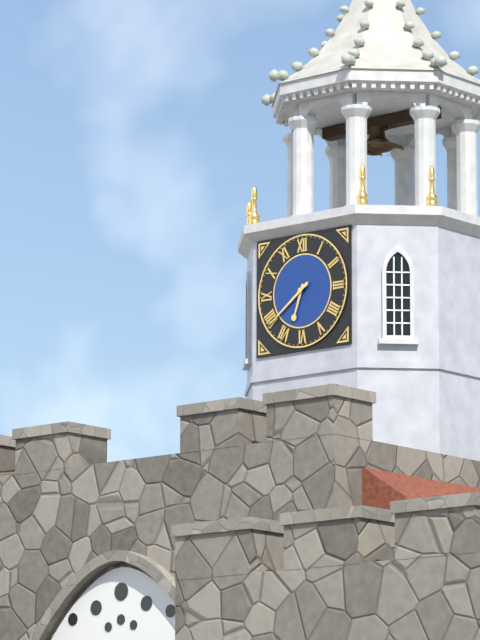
{"hour": 6, "minute": 39}
